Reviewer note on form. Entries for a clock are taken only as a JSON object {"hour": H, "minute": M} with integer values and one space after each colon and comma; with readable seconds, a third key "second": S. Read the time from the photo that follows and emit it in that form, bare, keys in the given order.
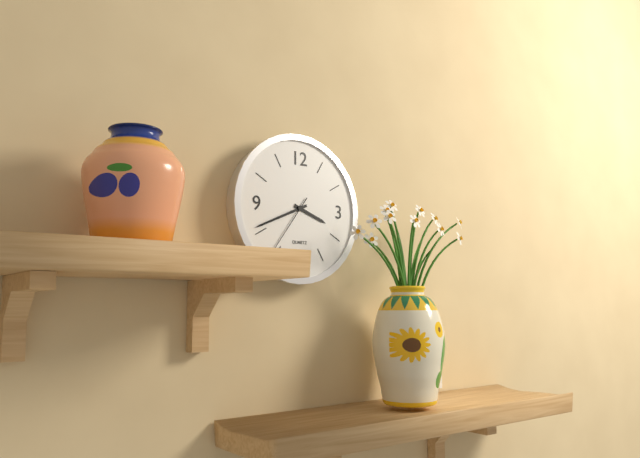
{"hour": 3, "minute": 41, "second": 36}
